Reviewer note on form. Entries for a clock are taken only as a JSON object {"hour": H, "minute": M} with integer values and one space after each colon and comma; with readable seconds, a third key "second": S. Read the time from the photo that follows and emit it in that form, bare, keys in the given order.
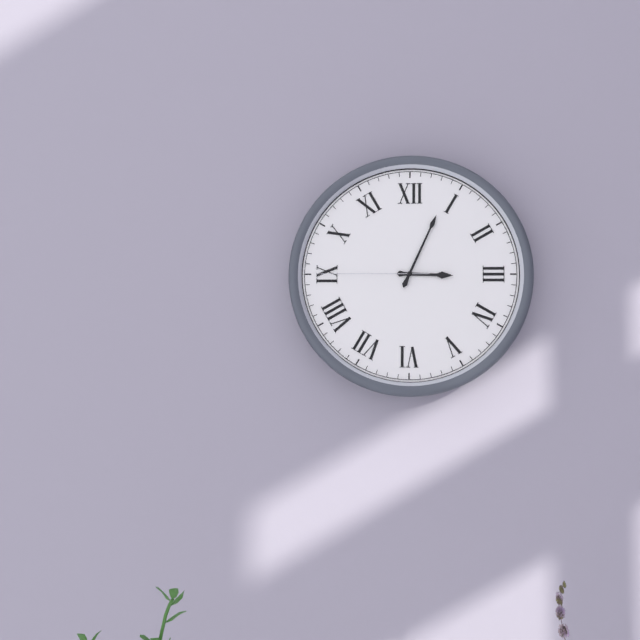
{"hour": 3, "minute": 4, "second": 45}
